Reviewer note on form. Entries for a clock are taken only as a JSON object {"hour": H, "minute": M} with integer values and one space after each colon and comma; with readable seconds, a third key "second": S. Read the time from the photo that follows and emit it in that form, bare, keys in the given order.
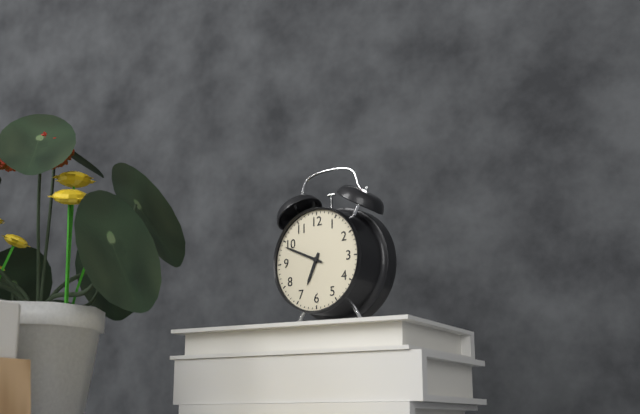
{"hour": 6, "minute": 49}
